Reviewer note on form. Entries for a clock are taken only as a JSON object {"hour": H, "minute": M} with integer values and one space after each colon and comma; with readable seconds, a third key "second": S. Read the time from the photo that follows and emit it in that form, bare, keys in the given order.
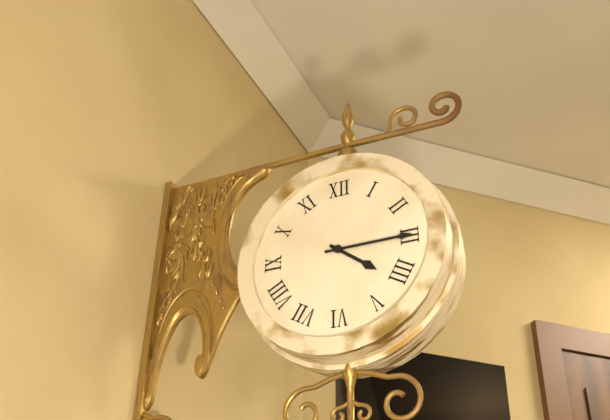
{"hour": 4, "minute": 15}
